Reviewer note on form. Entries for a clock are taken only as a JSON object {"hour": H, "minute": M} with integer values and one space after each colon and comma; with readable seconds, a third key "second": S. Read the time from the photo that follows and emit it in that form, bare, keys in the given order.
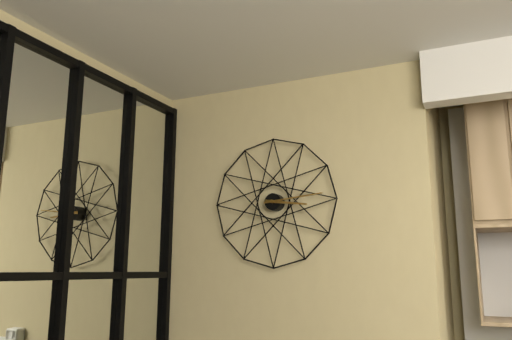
{"hour": 3, "minute": 14}
